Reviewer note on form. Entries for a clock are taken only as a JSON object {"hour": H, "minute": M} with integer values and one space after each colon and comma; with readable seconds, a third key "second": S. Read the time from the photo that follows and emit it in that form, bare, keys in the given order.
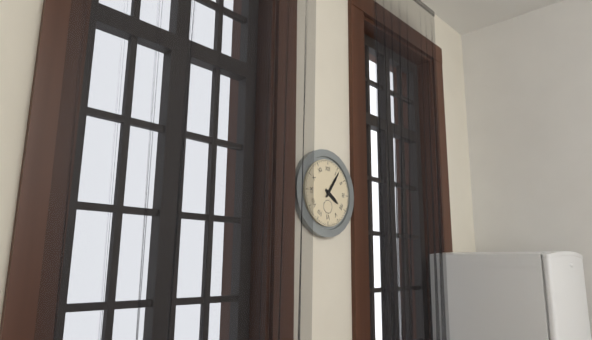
{"hour": 4, "minute": 6}
